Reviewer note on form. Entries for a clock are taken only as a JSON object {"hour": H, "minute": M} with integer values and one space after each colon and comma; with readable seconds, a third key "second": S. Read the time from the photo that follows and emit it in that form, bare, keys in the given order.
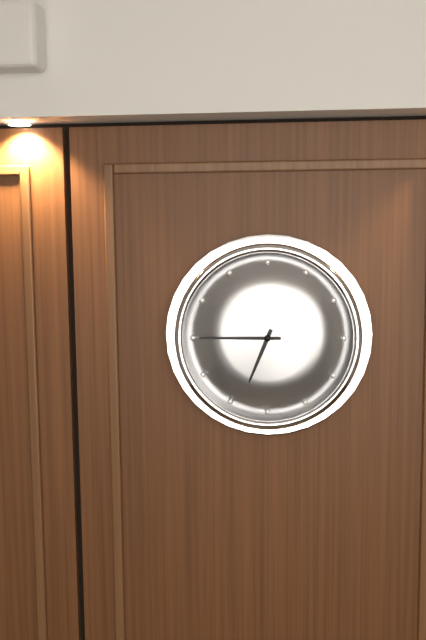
{"hour": 6, "minute": 45}
